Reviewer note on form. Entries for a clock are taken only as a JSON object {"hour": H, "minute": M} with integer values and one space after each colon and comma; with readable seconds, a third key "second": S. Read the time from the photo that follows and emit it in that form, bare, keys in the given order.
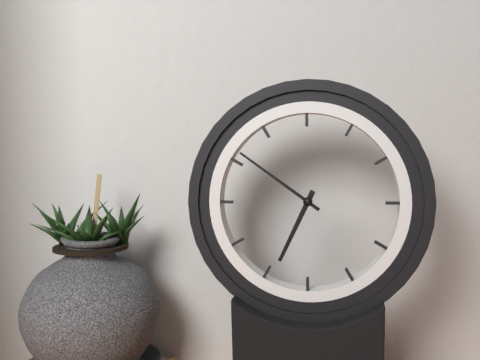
{"hour": 6, "minute": 51}
